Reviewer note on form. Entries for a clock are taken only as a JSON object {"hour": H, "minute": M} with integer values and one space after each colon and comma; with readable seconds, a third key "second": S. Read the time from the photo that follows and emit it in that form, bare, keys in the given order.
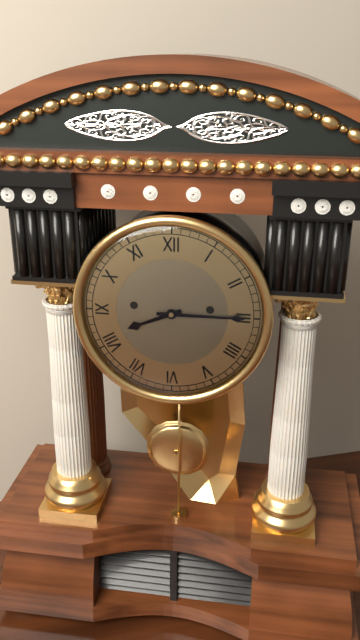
{"hour": 8, "minute": 15}
